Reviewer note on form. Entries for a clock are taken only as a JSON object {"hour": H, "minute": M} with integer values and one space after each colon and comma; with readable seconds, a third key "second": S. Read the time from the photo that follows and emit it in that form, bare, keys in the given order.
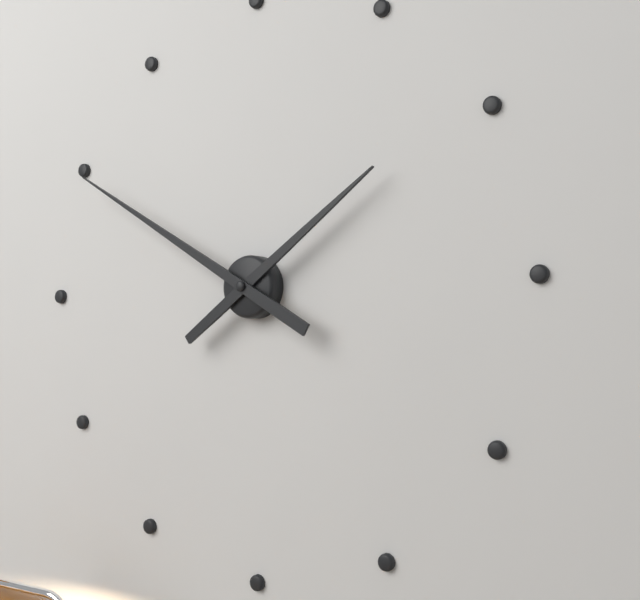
{"hour": 1, "minute": 50}
